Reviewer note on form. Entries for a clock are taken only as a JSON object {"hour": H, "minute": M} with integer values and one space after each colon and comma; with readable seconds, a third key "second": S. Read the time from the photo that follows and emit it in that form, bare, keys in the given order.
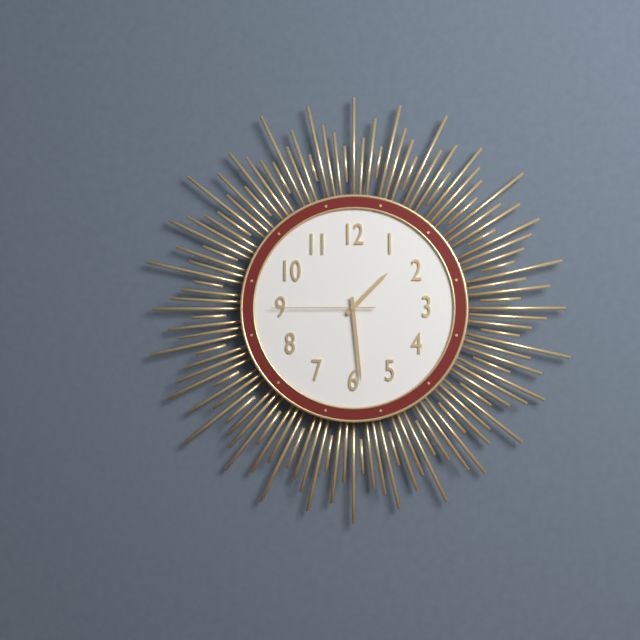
{"hour": 1, "minute": 29, "second": 45}
